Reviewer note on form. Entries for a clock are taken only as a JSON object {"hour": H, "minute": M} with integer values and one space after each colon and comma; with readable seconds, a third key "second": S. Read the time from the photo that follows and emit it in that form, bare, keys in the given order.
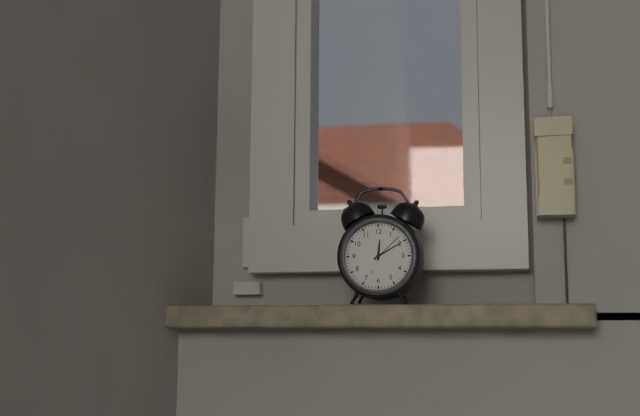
{"hour": 12, "minute": 10}
